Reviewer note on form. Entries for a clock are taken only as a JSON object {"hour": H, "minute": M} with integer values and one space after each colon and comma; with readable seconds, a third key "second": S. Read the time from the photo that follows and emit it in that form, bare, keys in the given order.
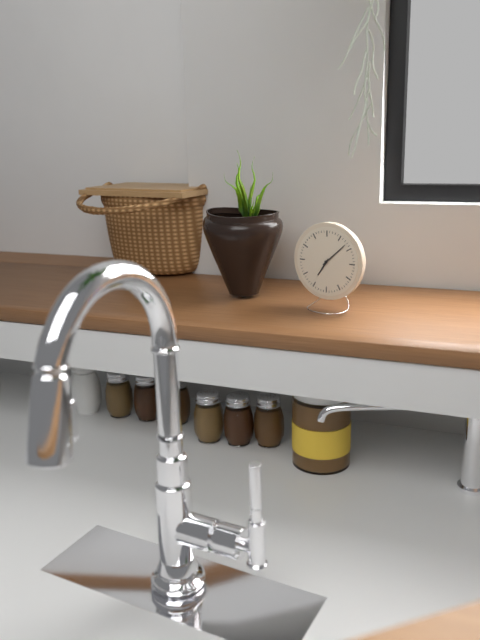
{"hour": 7, "minute": 8}
